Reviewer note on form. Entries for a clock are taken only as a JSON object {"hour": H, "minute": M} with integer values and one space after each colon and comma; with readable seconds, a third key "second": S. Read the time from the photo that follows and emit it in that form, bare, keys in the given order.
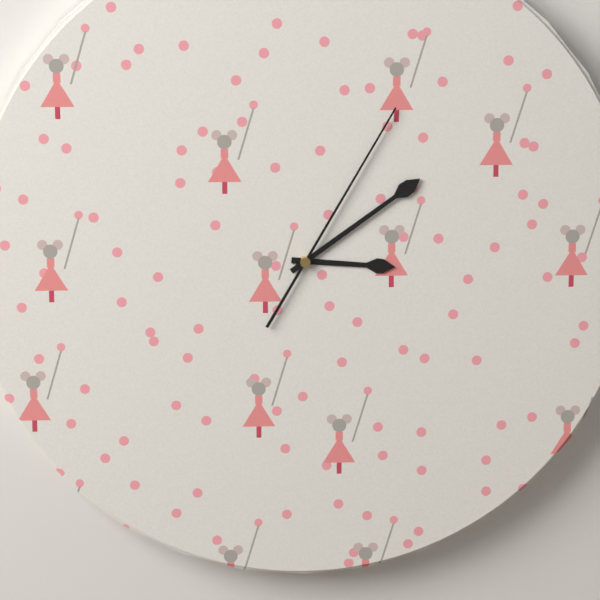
{"hour": 3, "minute": 9, "second": 5}
